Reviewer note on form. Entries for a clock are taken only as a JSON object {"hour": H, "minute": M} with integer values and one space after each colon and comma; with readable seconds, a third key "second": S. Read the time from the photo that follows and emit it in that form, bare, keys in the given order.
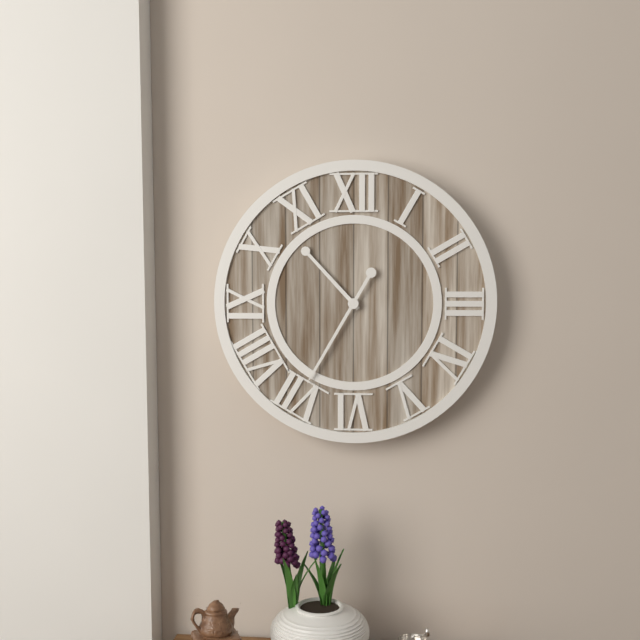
{"hour": 10, "minute": 35}
